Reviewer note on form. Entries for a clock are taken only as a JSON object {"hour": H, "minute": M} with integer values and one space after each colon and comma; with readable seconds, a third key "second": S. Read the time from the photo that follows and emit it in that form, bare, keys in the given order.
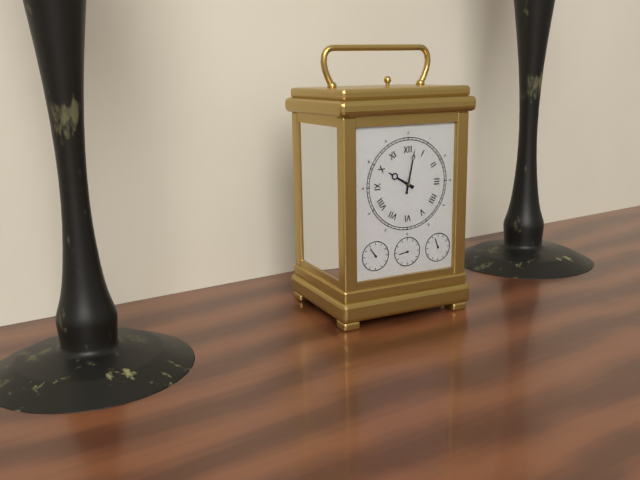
{"hour": 10, "minute": 2}
